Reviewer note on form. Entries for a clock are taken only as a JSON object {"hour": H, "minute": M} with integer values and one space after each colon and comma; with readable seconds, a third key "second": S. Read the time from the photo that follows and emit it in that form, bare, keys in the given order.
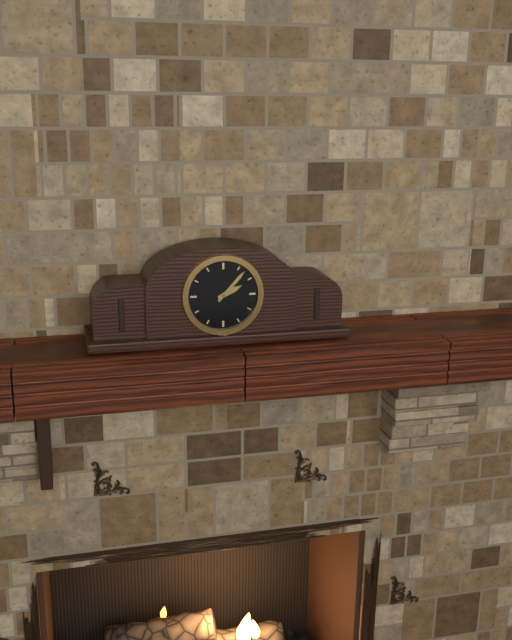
{"hour": 2, "minute": 7}
